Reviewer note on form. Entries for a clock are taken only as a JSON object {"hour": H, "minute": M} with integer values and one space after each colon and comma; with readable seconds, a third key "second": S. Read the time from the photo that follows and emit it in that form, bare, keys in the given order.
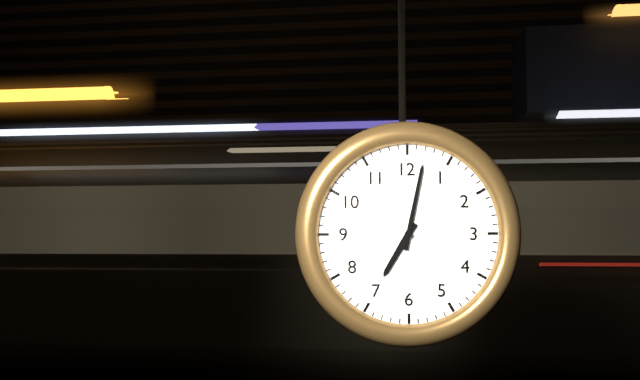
{"hour": 7, "minute": 2}
